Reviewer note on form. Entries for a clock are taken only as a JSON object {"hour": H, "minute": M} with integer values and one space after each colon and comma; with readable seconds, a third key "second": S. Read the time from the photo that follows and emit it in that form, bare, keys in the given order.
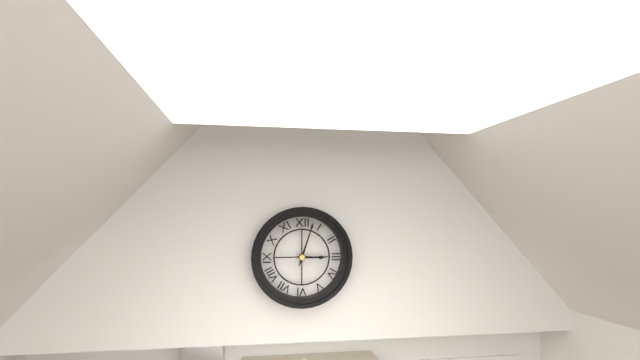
{"hour": 3, "minute": 3}
